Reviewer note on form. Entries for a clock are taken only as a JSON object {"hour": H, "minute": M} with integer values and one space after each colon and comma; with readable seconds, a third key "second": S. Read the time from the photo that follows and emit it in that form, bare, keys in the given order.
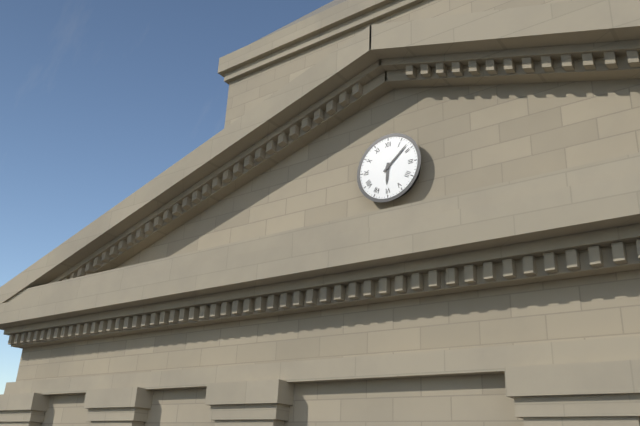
{"hour": 6, "minute": 8}
